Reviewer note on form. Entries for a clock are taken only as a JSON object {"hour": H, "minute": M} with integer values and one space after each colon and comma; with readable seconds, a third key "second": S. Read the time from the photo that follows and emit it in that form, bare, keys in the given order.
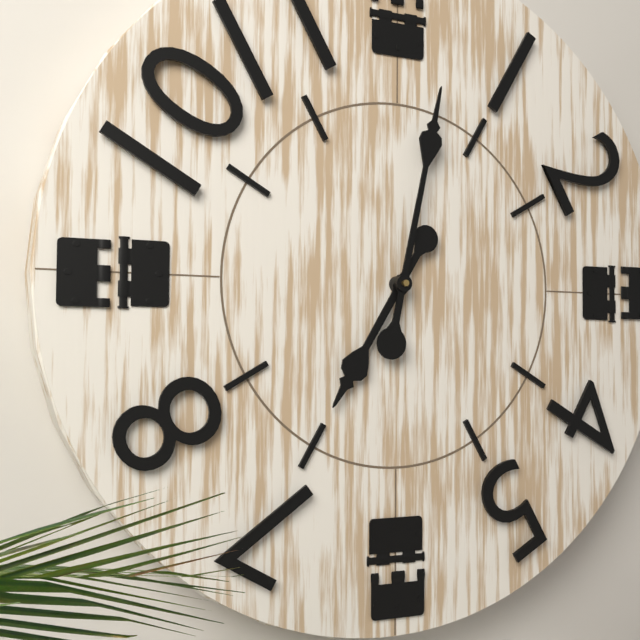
{"hour": 7, "minute": 2}
